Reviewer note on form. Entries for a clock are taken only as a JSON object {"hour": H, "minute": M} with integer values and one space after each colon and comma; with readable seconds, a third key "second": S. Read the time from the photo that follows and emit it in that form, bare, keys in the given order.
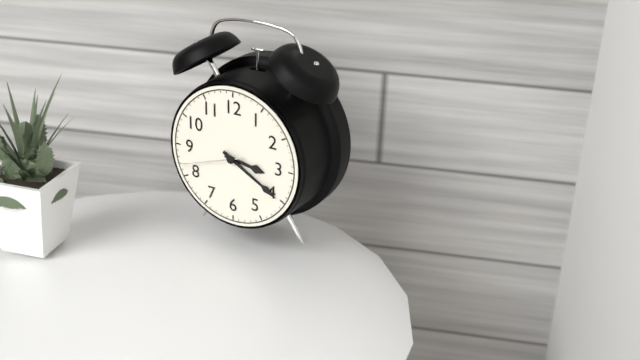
{"hour": 3, "minute": 20, "second": 42}
